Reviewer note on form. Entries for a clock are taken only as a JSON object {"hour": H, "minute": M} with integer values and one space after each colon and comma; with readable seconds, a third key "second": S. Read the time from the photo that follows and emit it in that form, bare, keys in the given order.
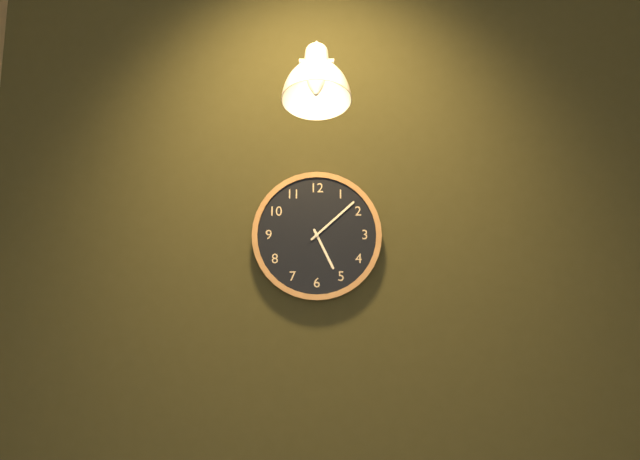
{"hour": 5, "minute": 8}
